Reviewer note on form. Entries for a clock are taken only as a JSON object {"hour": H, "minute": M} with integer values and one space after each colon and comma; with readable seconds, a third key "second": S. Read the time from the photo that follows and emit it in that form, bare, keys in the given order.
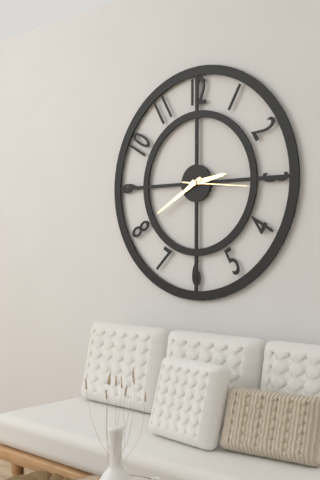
{"hour": 2, "minute": 40, "second": 16}
